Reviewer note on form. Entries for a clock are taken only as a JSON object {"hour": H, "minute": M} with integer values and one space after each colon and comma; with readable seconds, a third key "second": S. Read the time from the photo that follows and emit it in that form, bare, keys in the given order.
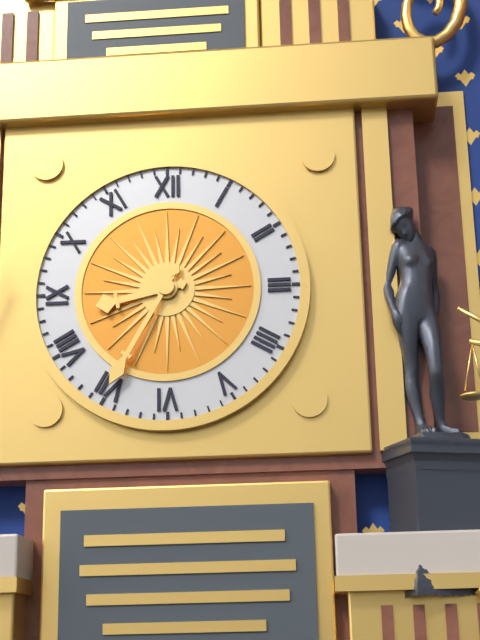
{"hour": 8, "minute": 35}
